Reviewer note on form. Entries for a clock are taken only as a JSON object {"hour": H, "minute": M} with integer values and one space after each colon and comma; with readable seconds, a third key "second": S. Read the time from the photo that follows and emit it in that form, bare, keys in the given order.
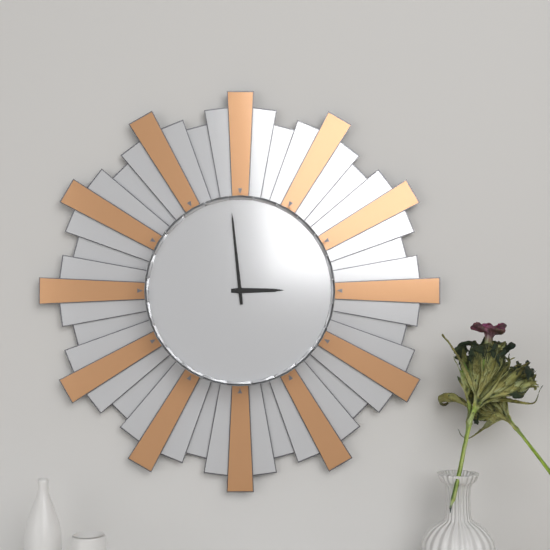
{"hour": 2, "minute": 59}
